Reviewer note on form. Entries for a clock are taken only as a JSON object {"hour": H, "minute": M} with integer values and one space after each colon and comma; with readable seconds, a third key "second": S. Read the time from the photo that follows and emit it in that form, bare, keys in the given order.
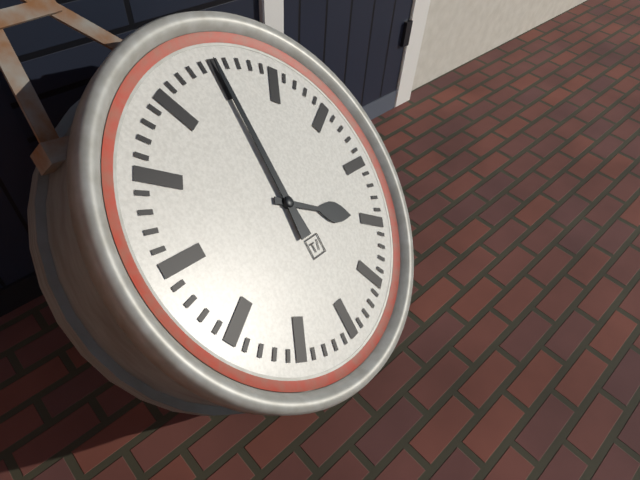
{"hour": 4, "minute": 0}
